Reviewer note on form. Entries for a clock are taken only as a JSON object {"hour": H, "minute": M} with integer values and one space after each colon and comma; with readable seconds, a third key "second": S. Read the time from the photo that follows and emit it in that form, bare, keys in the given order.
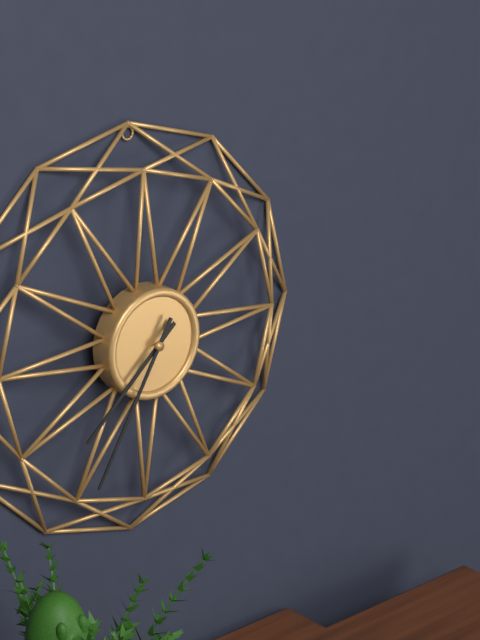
{"hour": 7, "minute": 35}
